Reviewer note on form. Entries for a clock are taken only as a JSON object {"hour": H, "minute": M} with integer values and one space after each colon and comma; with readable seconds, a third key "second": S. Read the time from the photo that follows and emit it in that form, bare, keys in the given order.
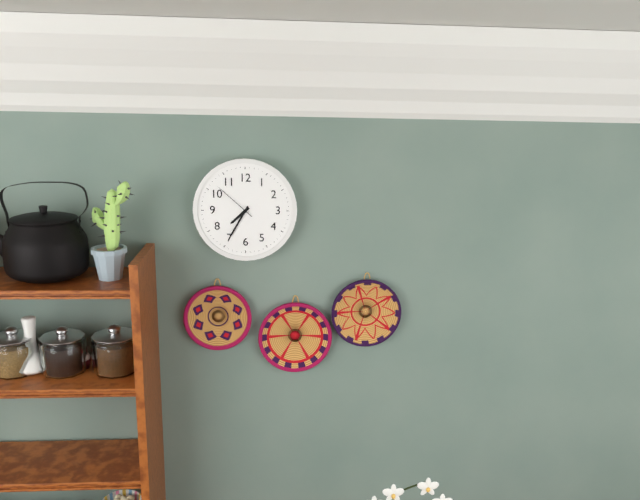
{"hour": 7, "minute": 35}
